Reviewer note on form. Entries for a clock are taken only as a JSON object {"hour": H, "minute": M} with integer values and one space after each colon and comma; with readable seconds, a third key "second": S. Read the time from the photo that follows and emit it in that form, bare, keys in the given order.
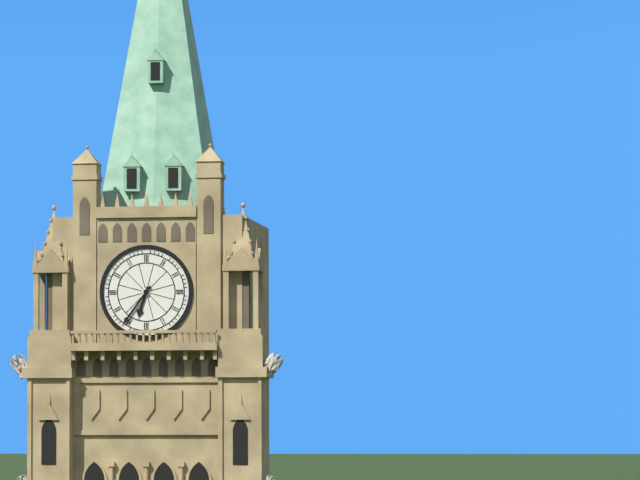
{"hour": 6, "minute": 36}
